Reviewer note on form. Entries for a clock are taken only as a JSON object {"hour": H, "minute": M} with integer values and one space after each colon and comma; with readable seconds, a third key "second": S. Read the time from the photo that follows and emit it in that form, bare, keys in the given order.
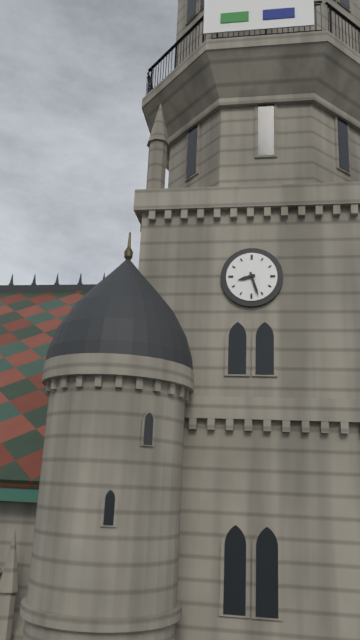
{"hour": 8, "minute": 27}
